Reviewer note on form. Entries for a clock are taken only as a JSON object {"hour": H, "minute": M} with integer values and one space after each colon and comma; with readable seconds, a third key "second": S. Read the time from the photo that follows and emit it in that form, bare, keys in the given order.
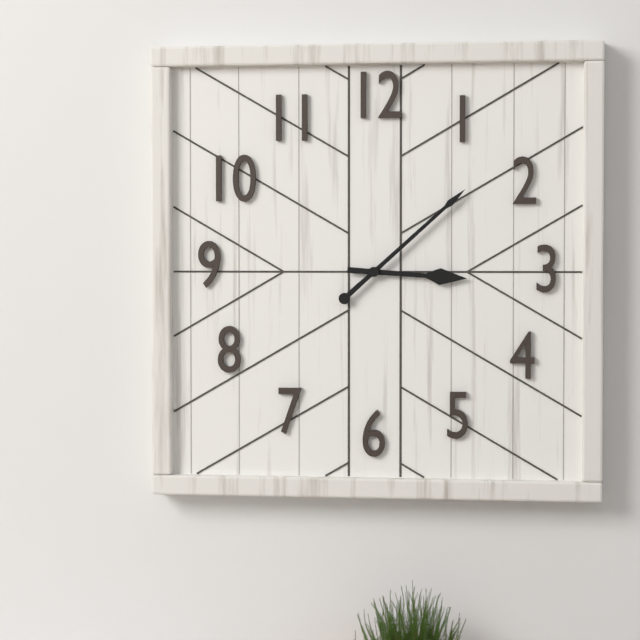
{"hour": 3, "minute": 8}
